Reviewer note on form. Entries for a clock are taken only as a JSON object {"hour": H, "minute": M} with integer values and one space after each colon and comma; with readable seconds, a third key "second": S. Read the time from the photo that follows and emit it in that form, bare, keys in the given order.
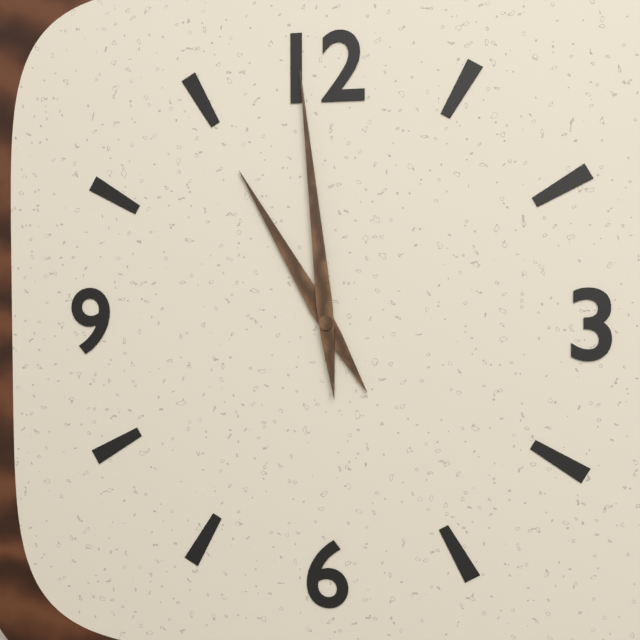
{"hour": 10, "minute": 59}
